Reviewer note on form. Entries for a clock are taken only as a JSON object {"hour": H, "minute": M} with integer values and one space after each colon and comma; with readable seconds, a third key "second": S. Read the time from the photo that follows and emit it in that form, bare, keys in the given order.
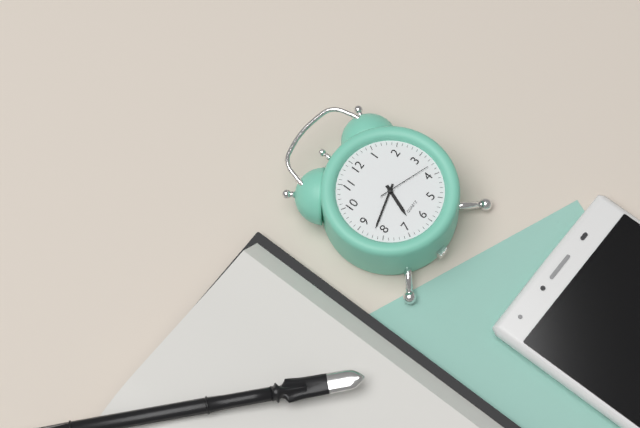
{"hour": 6, "minute": 42, "second": 18}
